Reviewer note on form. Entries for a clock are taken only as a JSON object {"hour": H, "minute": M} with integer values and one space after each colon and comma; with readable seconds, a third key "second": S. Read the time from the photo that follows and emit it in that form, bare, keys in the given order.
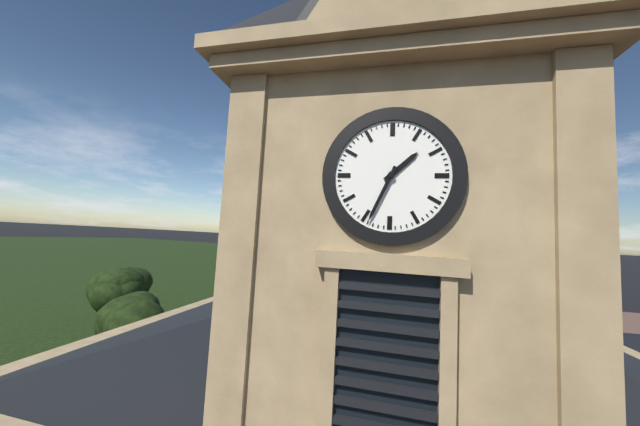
{"hour": 1, "minute": 34}
